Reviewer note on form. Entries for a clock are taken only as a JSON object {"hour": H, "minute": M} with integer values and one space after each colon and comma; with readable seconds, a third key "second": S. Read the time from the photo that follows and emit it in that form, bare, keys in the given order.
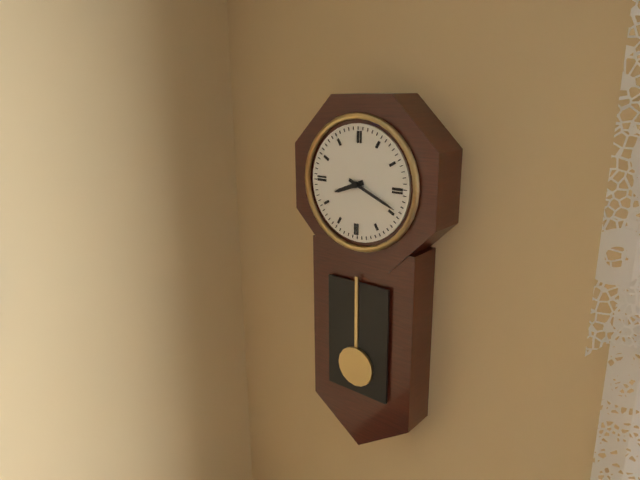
{"hour": 8, "minute": 19}
